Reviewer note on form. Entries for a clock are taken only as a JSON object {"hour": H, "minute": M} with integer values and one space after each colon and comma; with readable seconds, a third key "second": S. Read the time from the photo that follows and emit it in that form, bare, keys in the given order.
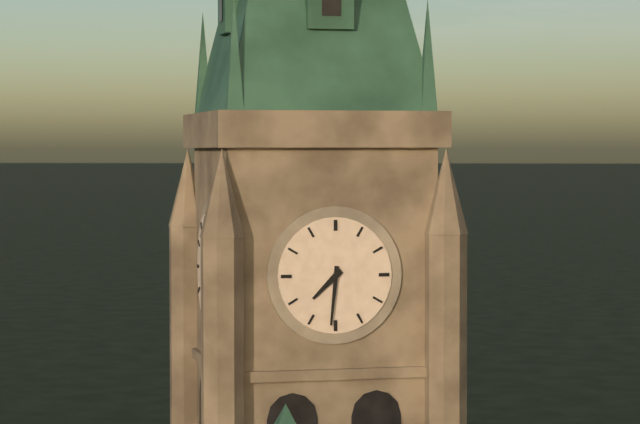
{"hour": 7, "minute": 31}
